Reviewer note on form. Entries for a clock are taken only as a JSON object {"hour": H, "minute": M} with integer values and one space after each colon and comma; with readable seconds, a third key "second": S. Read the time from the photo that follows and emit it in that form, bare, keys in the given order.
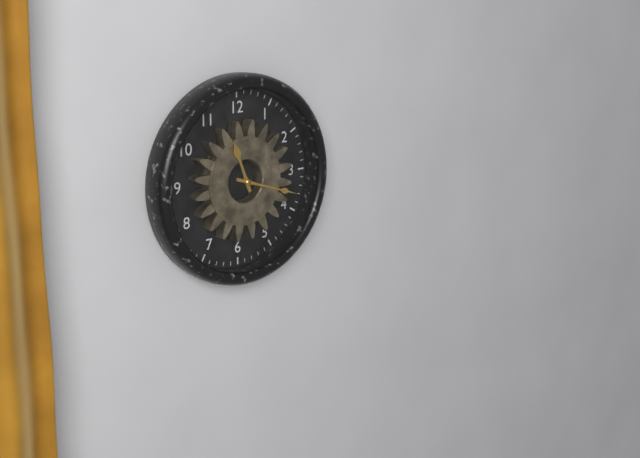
{"hour": 11, "minute": 18}
